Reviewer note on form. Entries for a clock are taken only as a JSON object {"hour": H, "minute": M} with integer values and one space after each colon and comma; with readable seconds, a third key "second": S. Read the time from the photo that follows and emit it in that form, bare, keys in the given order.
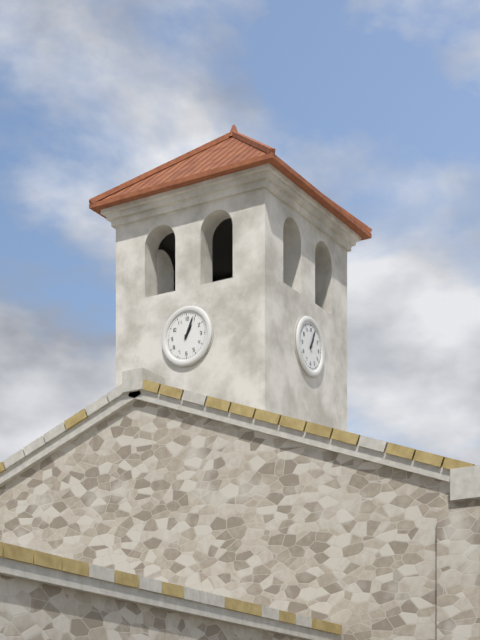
{"hour": 1, "minute": 4}
